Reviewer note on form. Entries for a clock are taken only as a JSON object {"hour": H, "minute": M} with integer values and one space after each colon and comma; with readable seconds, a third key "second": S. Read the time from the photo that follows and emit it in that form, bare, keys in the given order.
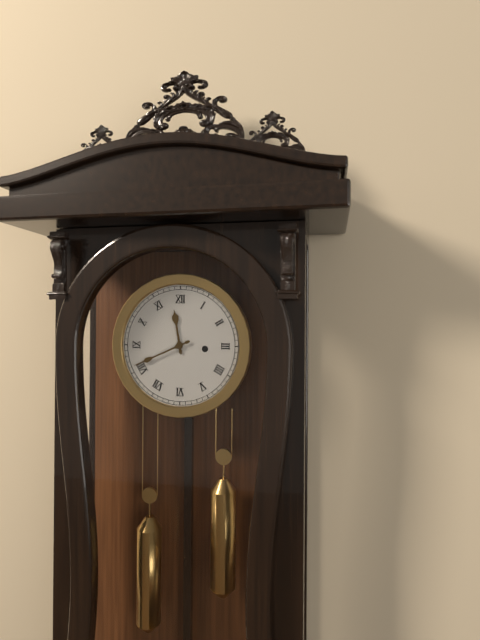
{"hour": 11, "minute": 41}
